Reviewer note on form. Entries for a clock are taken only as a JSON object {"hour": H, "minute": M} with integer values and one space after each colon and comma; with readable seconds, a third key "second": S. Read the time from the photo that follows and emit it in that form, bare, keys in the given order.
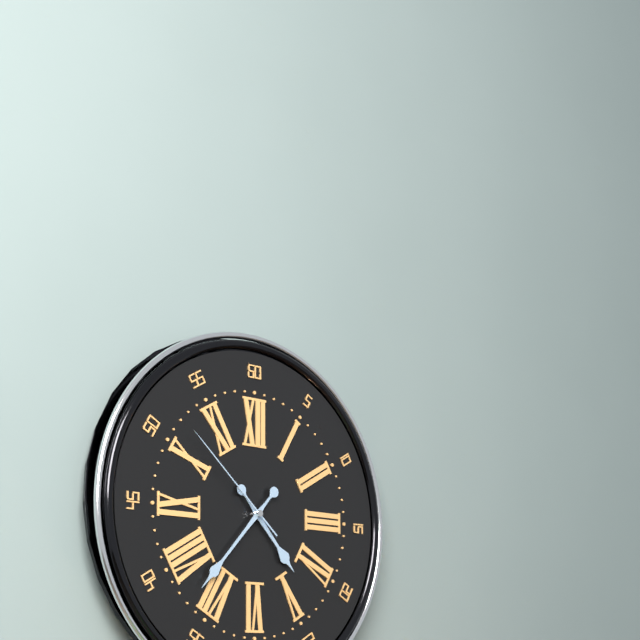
{"hour": 4, "minute": 37, "second": 52}
